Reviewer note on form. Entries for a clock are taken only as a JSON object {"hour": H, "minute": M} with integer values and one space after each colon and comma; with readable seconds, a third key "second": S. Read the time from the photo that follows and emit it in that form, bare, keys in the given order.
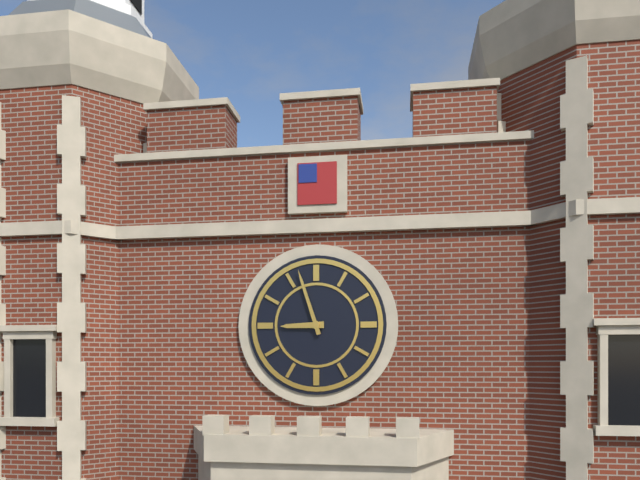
{"hour": 8, "minute": 57}
